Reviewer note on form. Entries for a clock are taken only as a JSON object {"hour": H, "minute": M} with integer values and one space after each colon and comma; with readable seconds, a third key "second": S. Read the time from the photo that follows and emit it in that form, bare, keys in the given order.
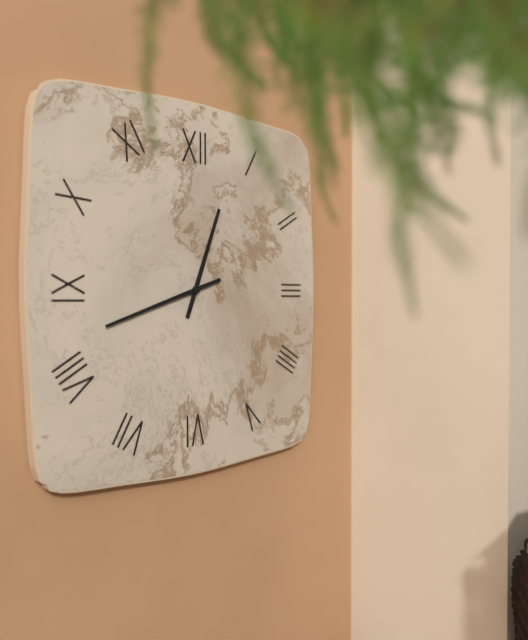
{"hour": 12, "minute": 42}
